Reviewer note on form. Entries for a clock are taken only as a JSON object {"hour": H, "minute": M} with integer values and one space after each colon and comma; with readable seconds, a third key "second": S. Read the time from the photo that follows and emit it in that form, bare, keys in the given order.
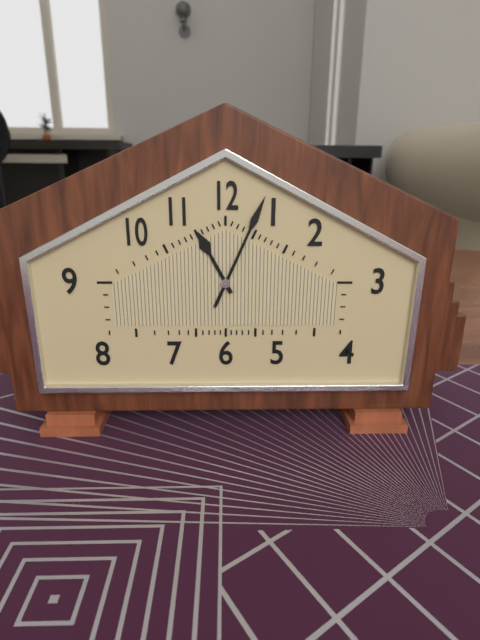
{"hour": 11, "minute": 4}
